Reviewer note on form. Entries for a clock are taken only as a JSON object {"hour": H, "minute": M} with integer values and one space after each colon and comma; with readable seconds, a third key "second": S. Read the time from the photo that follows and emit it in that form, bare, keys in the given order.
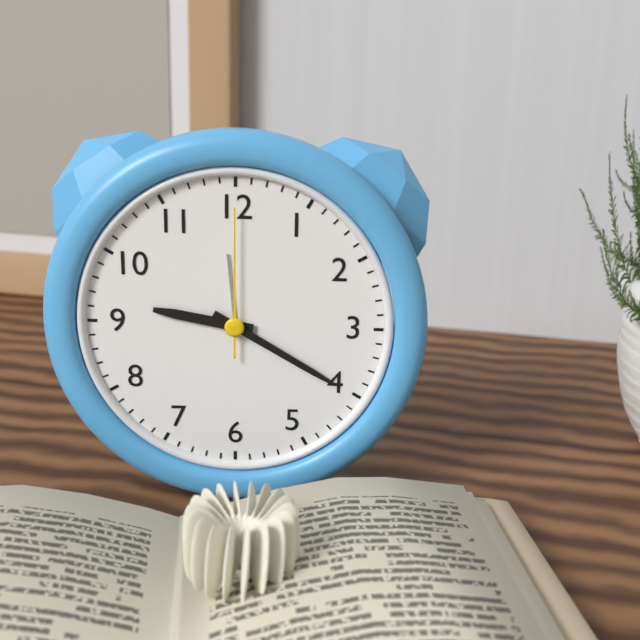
{"hour": 9, "minute": 20, "second": 0}
